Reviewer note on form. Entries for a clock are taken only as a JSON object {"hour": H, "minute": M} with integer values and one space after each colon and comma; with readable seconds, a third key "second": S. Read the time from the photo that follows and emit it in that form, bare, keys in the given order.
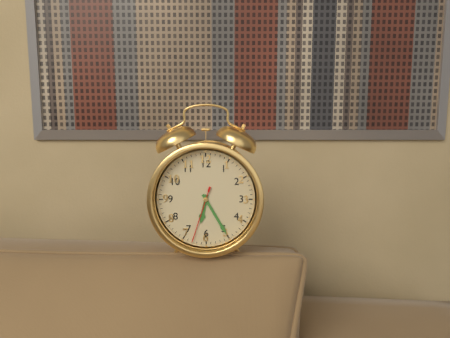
{"hour": 6, "minute": 25, "second": 33}
